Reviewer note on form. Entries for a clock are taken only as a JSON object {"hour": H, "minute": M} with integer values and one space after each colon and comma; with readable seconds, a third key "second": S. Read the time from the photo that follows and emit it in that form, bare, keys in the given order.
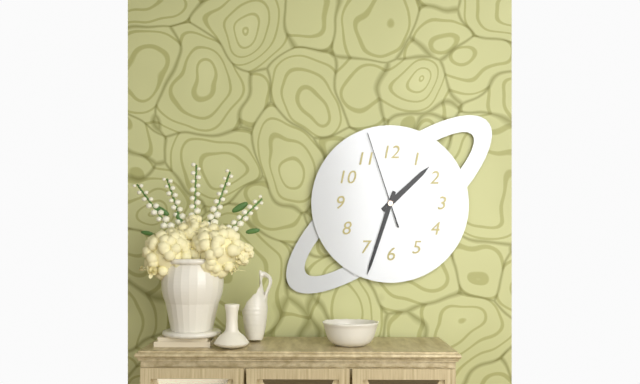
{"hour": 1, "minute": 33, "second": 57}
